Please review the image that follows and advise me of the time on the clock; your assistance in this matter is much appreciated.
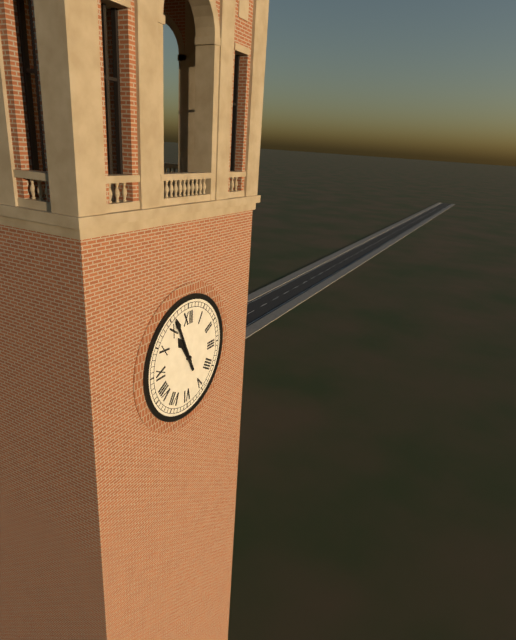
10:56
